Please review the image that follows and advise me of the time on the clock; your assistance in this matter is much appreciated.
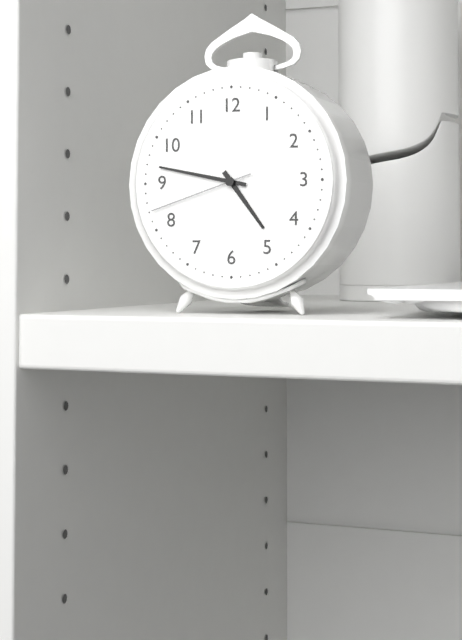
4:47:42
